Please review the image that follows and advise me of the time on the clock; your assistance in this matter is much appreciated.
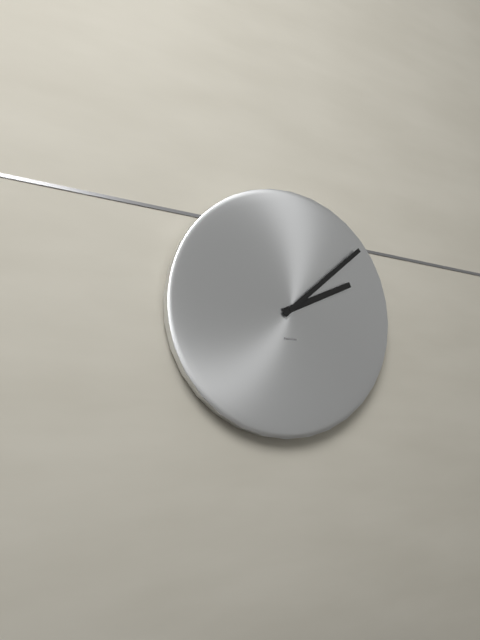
2:08
